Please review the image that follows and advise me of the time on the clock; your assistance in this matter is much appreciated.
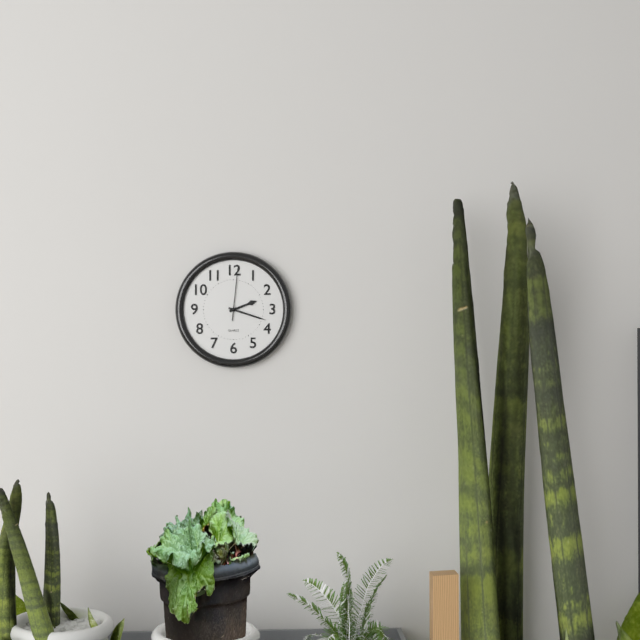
2:18:01
